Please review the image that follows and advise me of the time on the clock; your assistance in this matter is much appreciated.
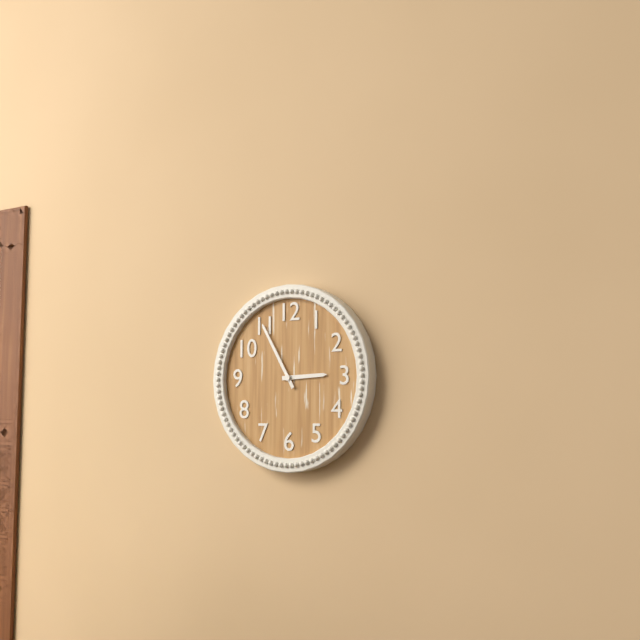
2:55
